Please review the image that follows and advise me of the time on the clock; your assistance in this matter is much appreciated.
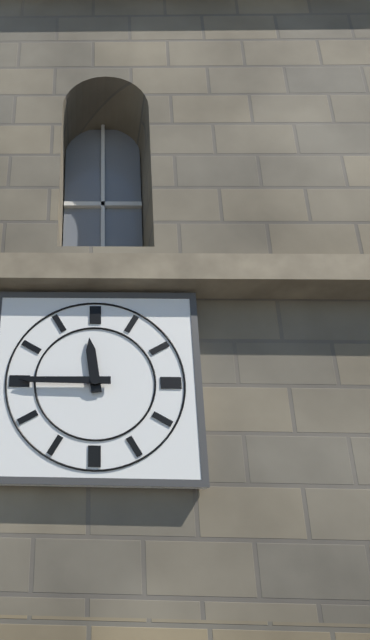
11:45
